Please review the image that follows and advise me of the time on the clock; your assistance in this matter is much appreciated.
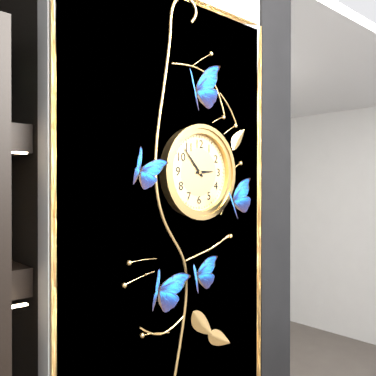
2:53
